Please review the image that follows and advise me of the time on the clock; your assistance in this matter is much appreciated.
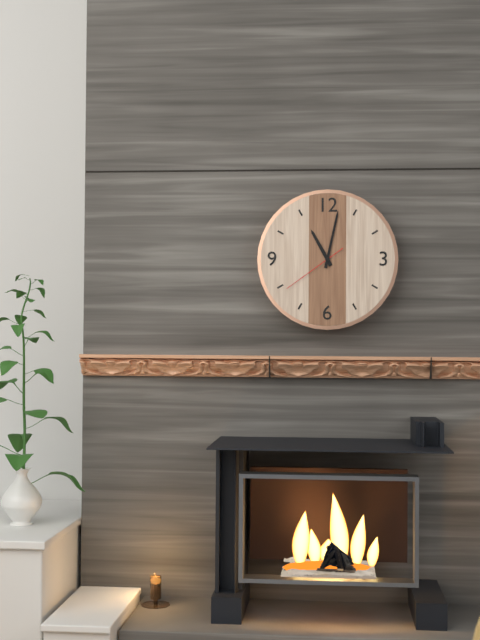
11:02:39
